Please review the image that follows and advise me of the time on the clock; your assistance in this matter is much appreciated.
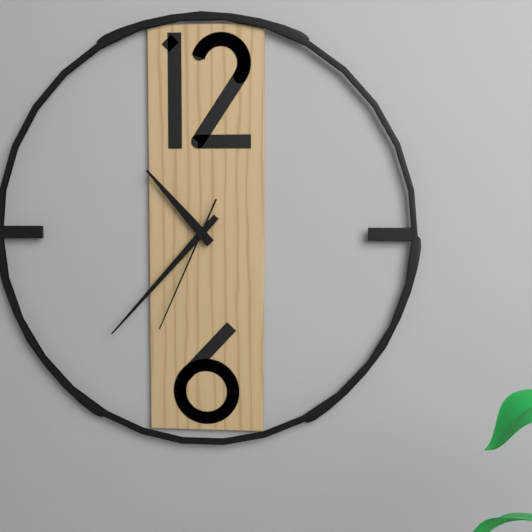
10:37:34
